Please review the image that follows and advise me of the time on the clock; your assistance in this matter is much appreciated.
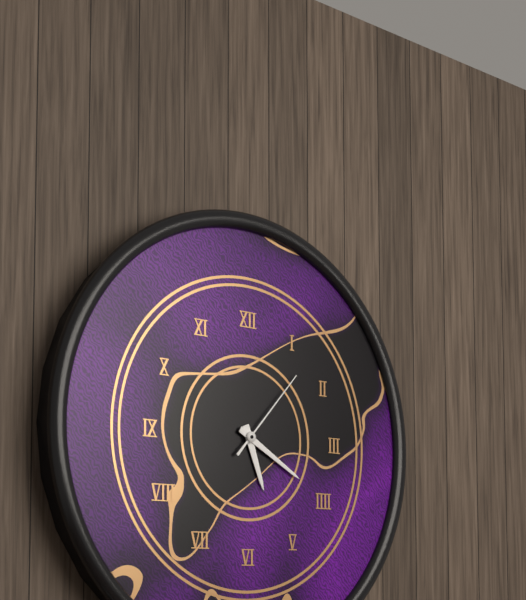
5:20:07
